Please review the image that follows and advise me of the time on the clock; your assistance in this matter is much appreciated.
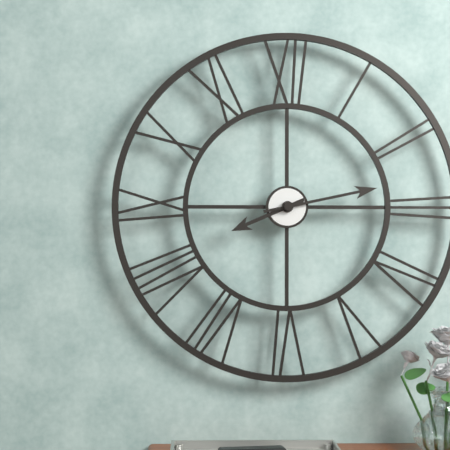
8:13
